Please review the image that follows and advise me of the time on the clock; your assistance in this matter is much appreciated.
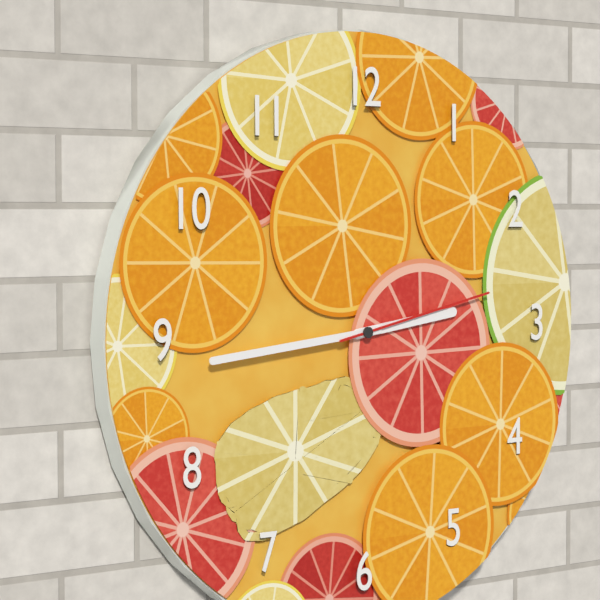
2:44:13
